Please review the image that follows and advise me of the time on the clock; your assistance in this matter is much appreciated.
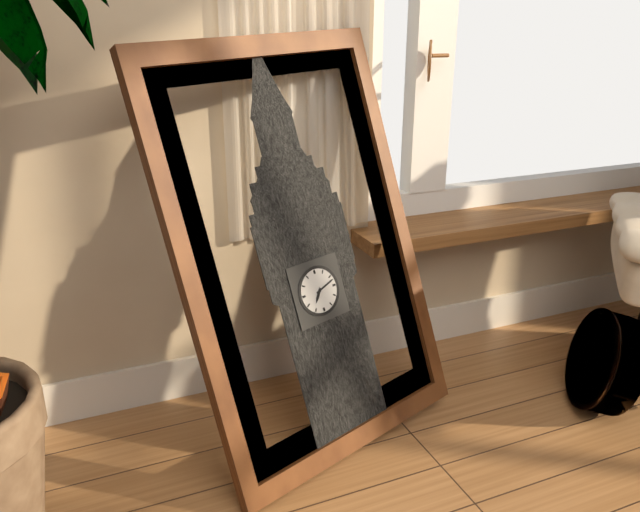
7:12
